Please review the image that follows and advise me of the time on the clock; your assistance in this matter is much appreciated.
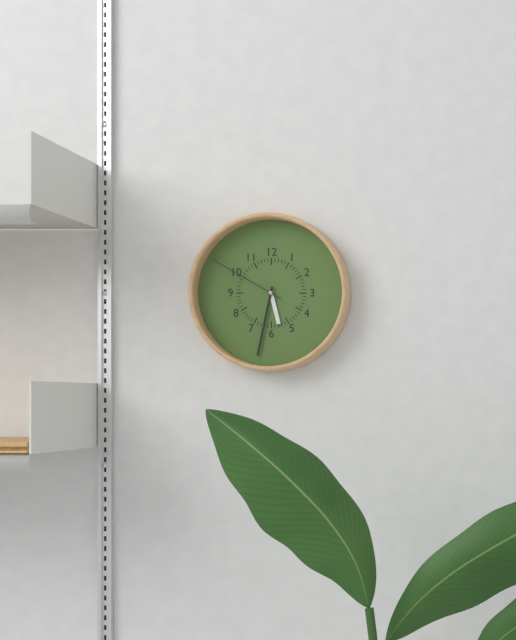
5:32:50
